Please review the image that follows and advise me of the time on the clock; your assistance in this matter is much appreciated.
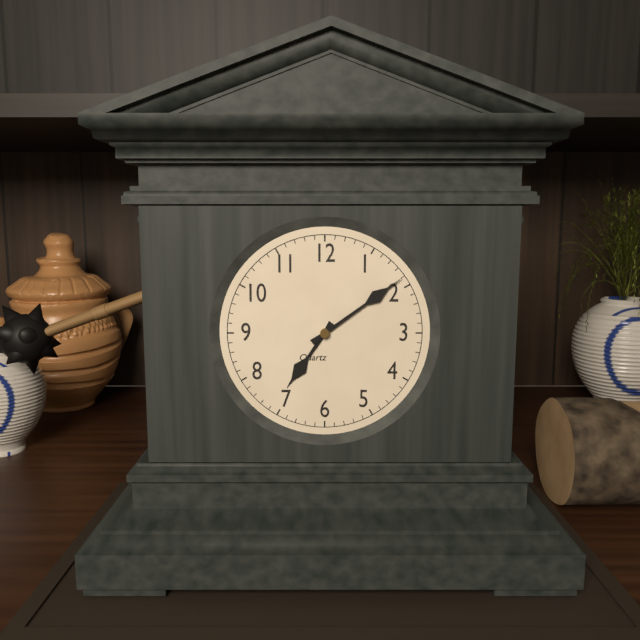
7:09
